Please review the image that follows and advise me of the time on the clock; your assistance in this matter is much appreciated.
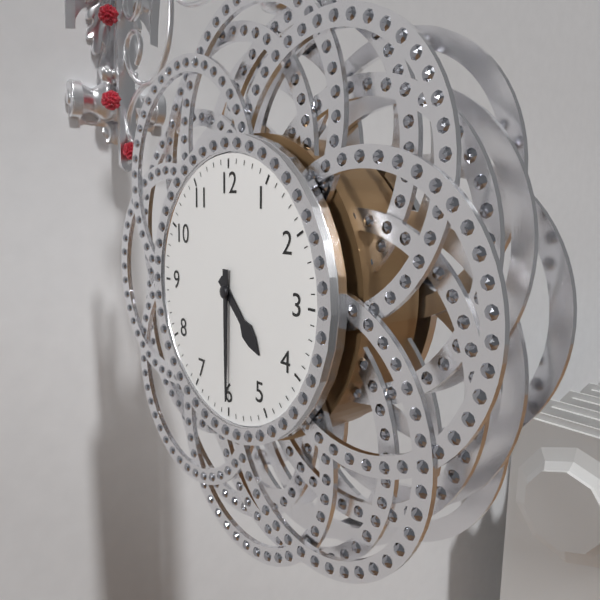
4:30
